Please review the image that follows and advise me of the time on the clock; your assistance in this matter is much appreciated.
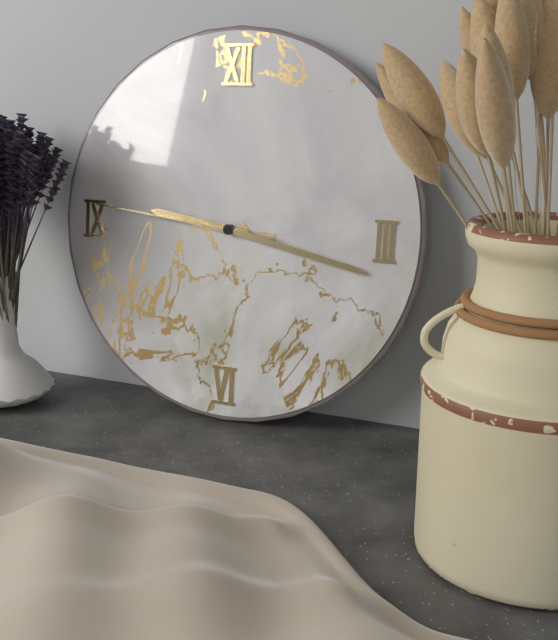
9:17:46
